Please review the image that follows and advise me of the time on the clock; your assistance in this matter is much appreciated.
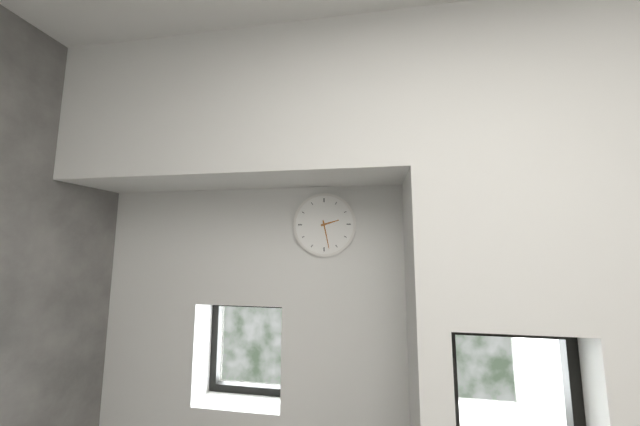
2:28
